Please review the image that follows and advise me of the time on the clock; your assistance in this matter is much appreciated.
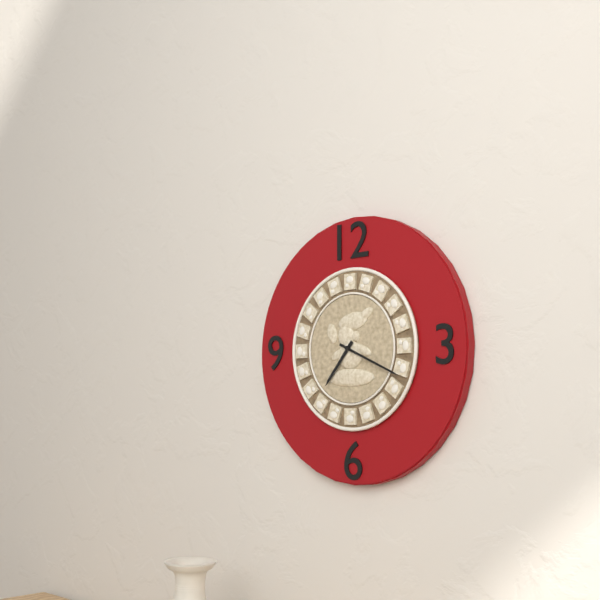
7:19
